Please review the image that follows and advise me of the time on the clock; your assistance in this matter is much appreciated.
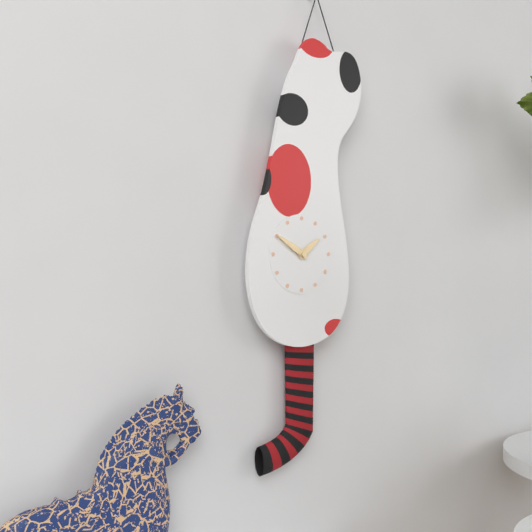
1:50
